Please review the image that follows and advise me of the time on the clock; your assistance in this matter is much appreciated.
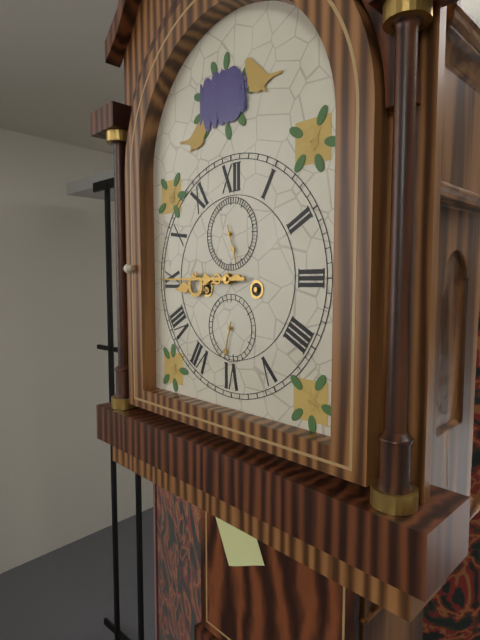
8:45
